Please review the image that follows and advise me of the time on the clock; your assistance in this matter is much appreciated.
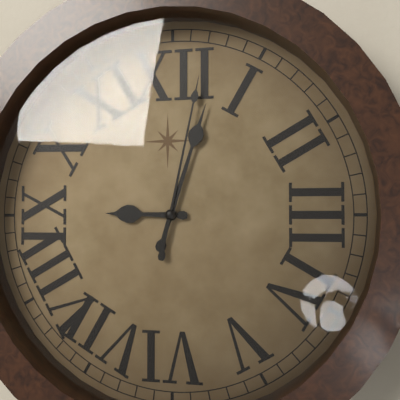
9:03:02
